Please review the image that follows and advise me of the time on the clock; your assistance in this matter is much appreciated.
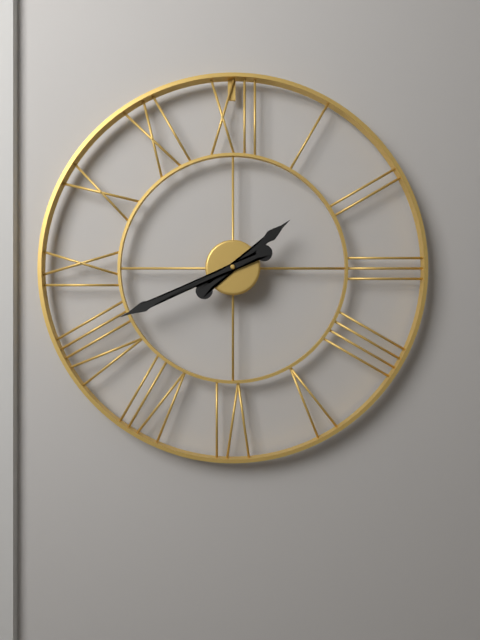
1:41
